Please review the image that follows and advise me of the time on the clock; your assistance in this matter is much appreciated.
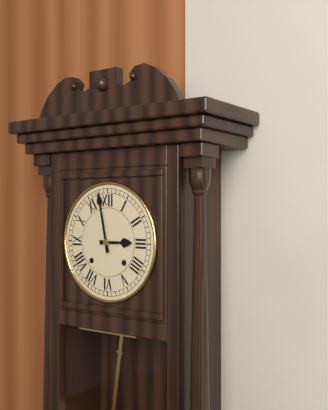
2:58
